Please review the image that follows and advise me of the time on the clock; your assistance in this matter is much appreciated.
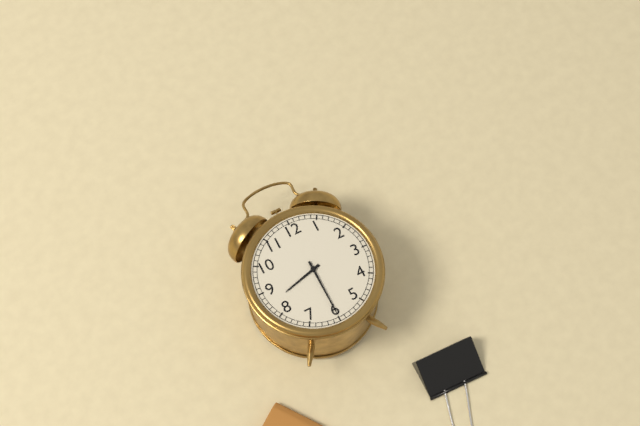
8:30
